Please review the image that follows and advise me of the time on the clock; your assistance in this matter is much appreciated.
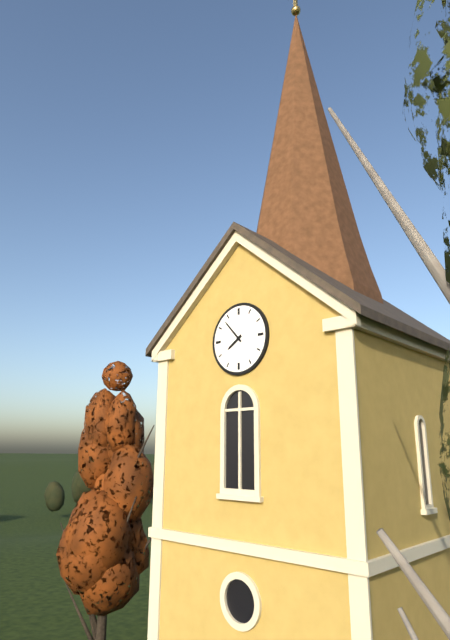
7:53
